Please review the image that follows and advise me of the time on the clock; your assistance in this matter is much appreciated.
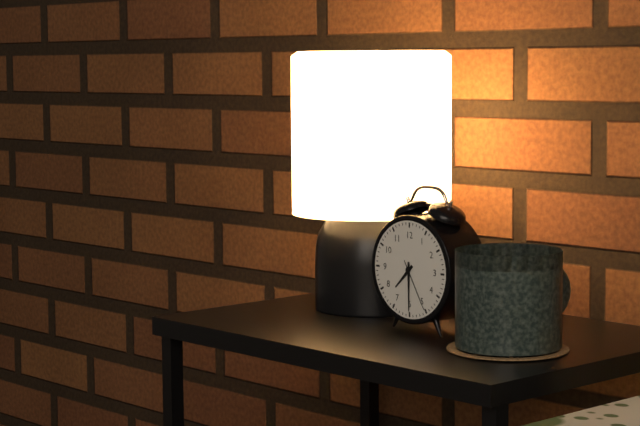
7:30:25
